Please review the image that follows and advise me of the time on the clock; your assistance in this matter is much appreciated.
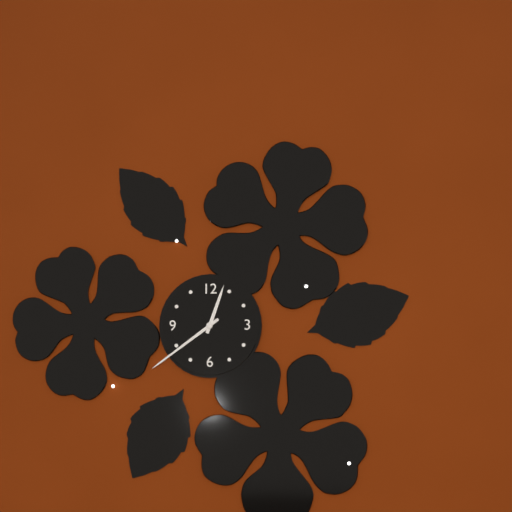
12:39
